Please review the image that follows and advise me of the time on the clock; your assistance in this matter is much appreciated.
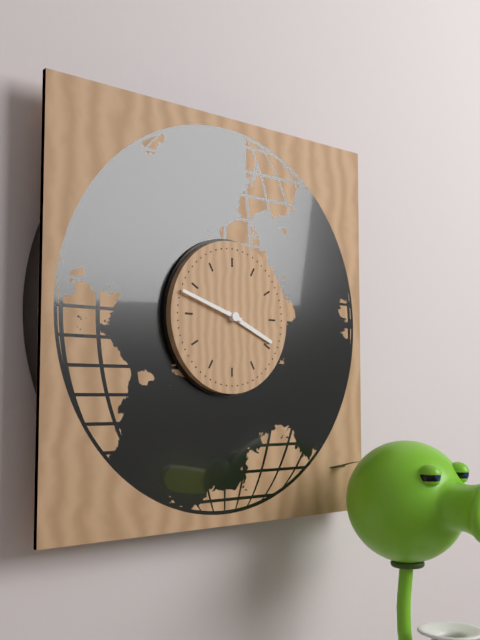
3:48
